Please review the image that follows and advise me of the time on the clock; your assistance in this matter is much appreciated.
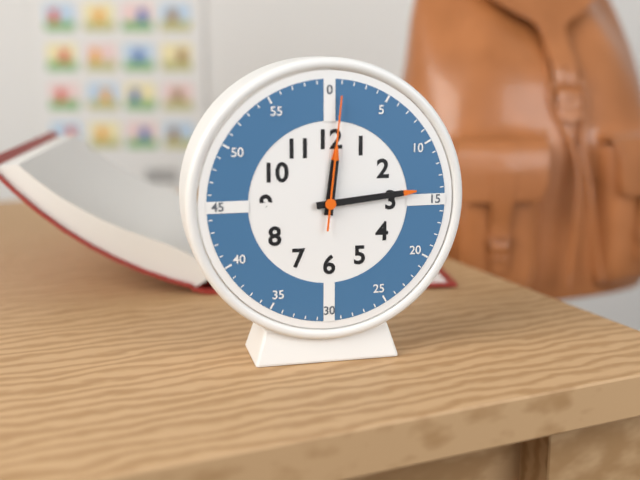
12:14:01
